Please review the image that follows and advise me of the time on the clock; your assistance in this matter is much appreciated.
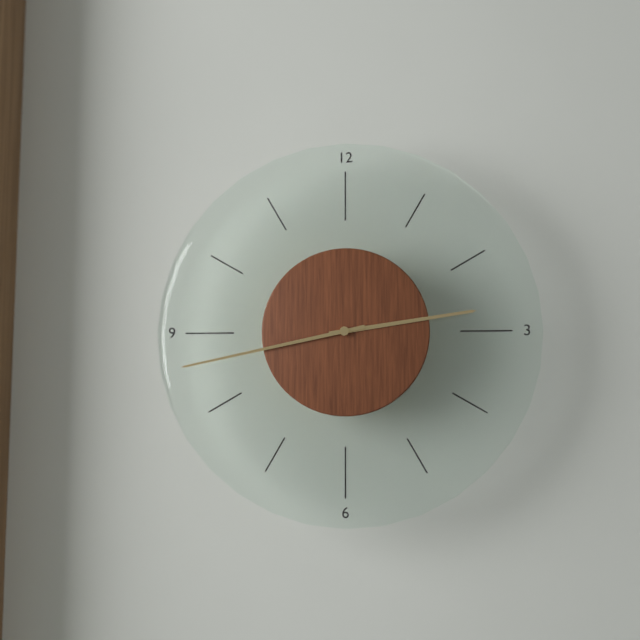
2:43
